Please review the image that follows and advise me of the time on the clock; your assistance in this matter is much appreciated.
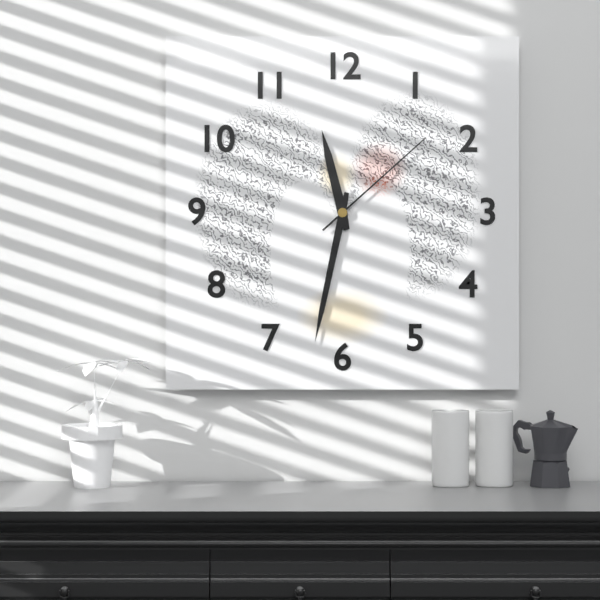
11:32:08
